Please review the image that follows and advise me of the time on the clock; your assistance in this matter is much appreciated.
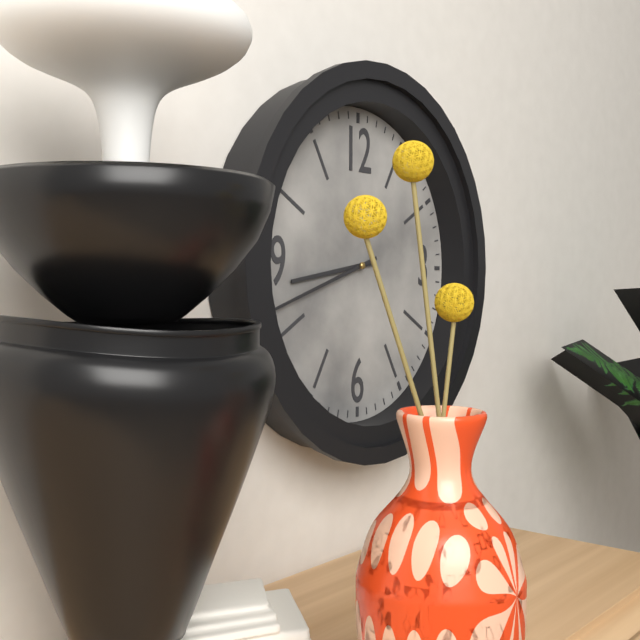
8:42
